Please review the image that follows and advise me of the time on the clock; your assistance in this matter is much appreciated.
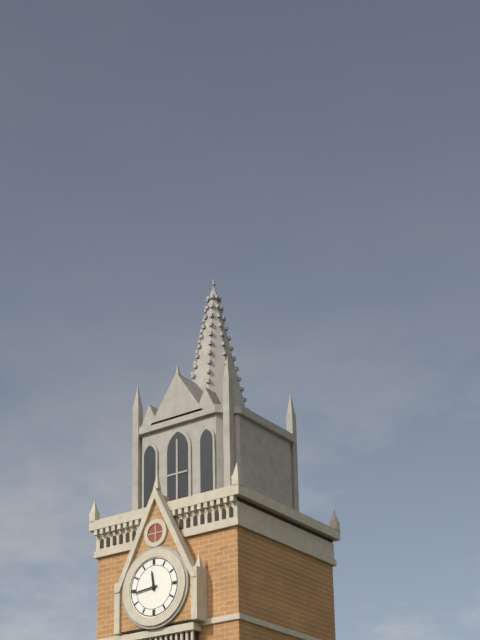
11:44
